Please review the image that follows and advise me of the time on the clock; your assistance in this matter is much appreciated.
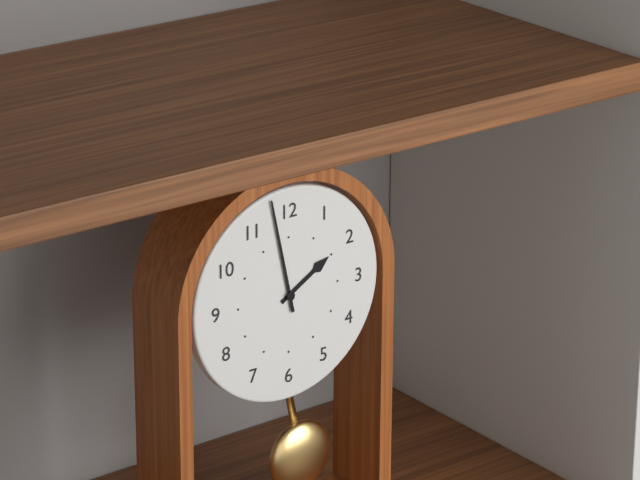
1:58
